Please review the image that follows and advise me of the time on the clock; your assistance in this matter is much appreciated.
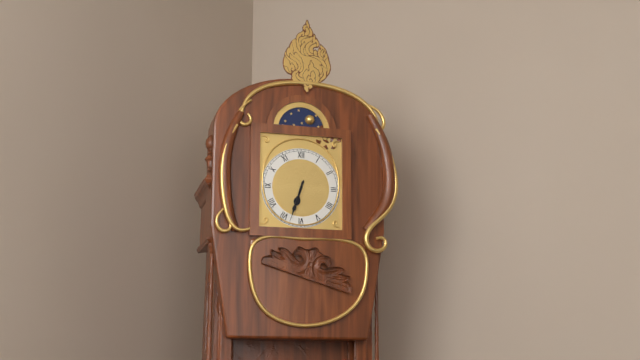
6:33
